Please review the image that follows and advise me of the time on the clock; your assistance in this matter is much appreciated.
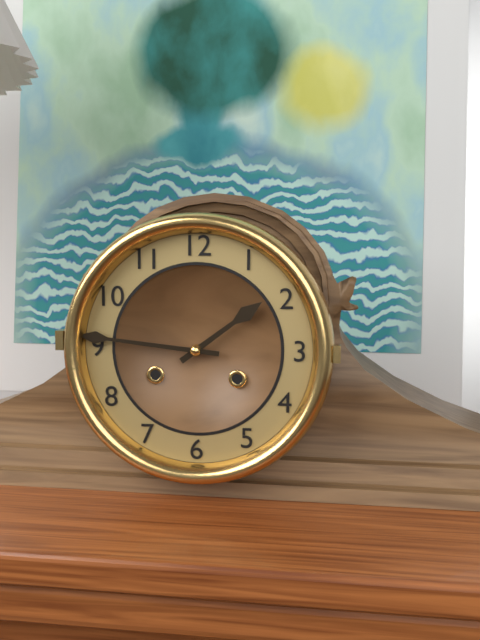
1:46
